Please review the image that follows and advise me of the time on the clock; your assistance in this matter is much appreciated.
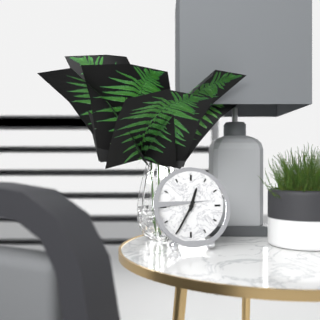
12:35
